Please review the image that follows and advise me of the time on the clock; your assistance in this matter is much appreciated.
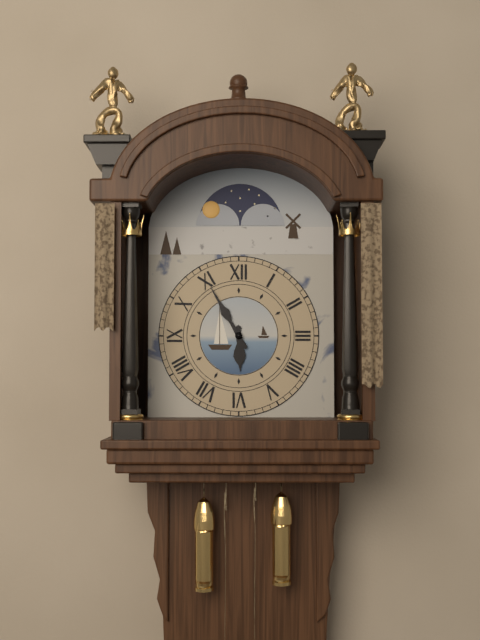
5:55
